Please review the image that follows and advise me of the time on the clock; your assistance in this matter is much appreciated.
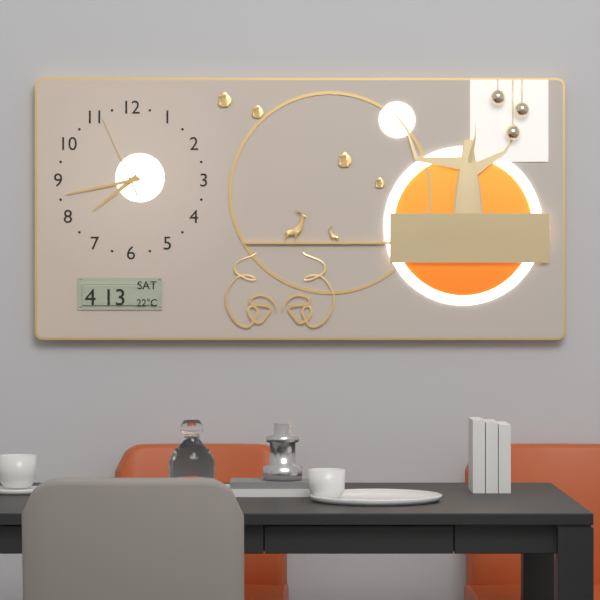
7:43:56
